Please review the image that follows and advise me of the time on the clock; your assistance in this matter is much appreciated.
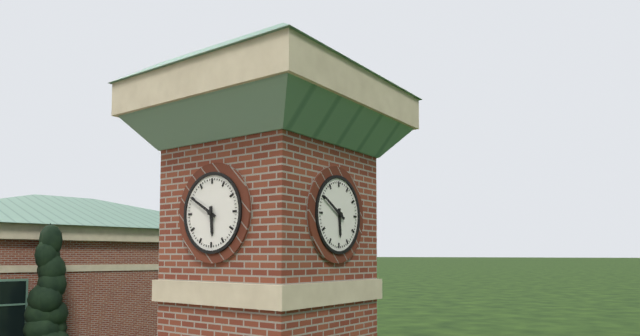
5:50
